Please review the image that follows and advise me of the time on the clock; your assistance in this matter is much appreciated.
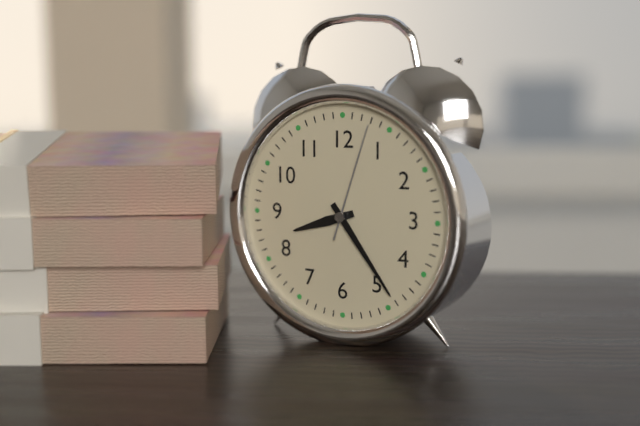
8:24:03
